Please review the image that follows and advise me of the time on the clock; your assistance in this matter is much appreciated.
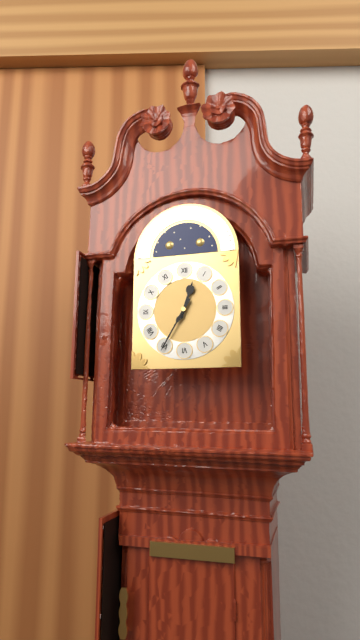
12:35
